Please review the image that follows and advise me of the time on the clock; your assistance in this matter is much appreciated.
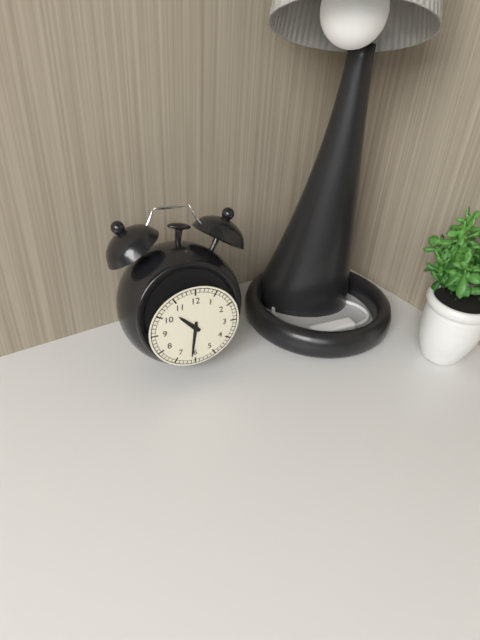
10:31
